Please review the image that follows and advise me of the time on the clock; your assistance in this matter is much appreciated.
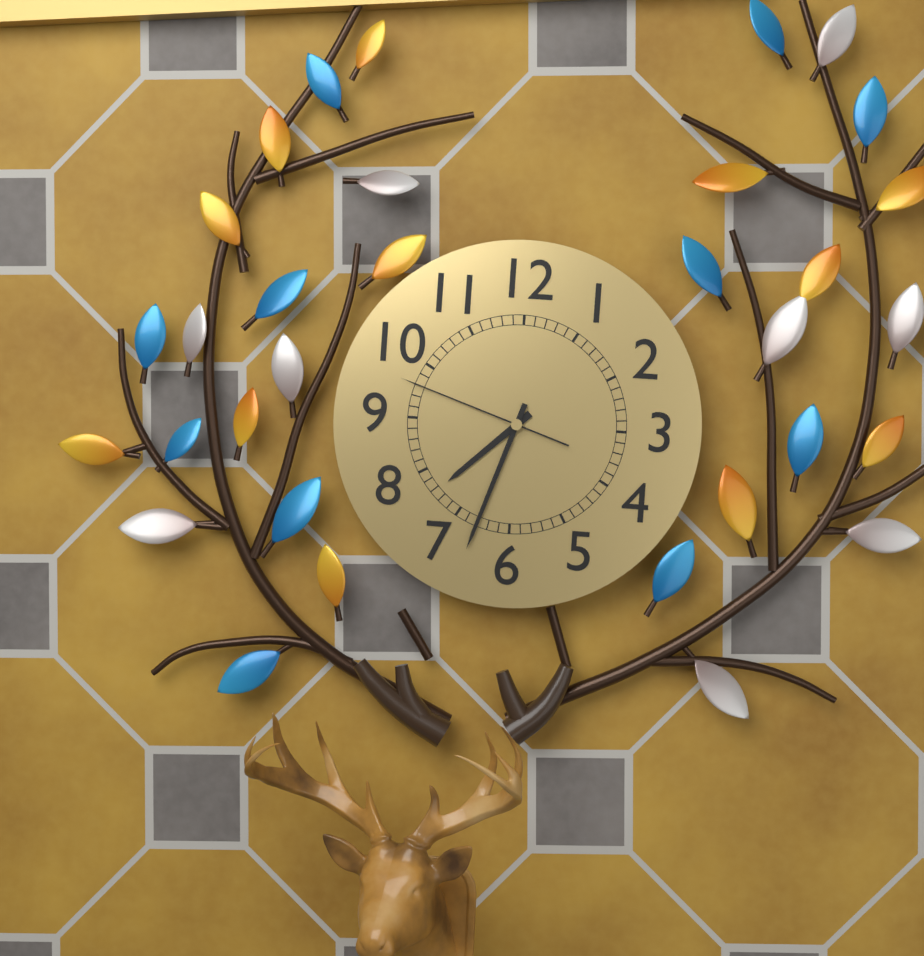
7:33:48
